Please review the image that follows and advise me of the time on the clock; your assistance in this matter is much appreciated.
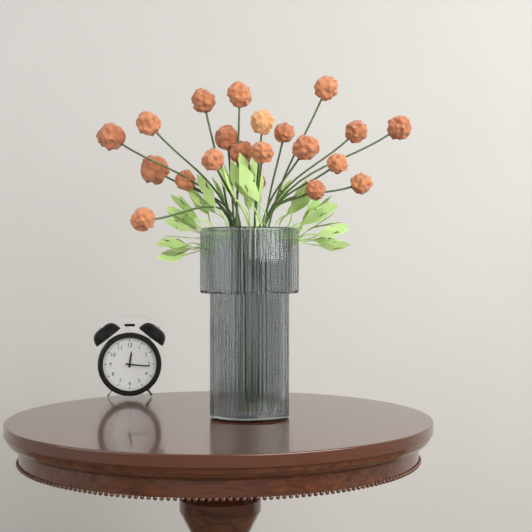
12:16
